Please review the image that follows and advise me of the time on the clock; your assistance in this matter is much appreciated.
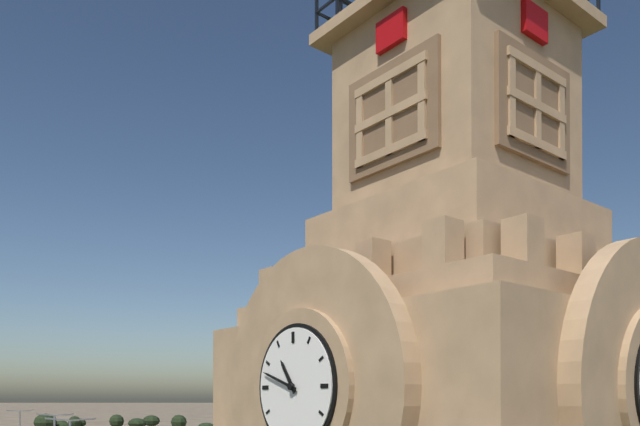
10:48
